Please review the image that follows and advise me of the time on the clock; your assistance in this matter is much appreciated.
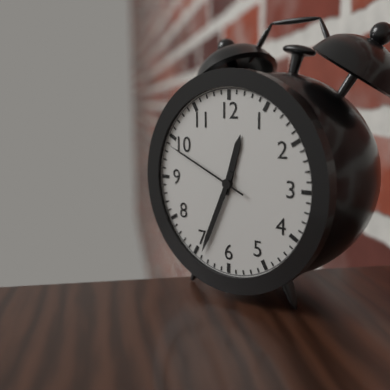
12:34:49
